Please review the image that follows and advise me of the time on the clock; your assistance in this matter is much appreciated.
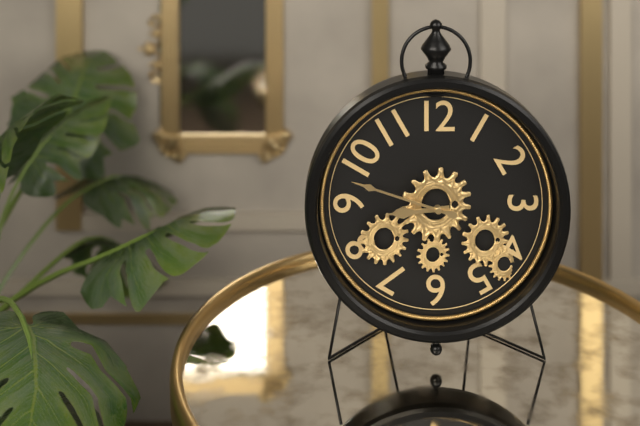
8:48
